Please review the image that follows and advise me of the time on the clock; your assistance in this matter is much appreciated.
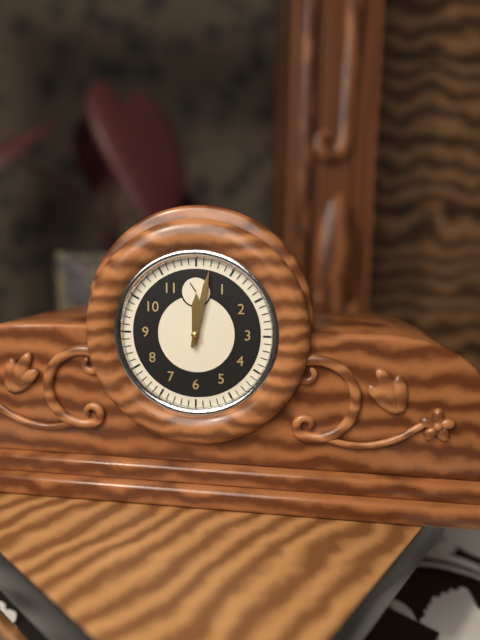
12:02
